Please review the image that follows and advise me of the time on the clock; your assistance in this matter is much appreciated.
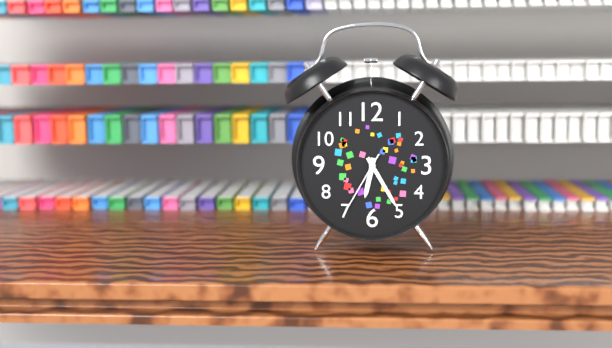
6:25:35
